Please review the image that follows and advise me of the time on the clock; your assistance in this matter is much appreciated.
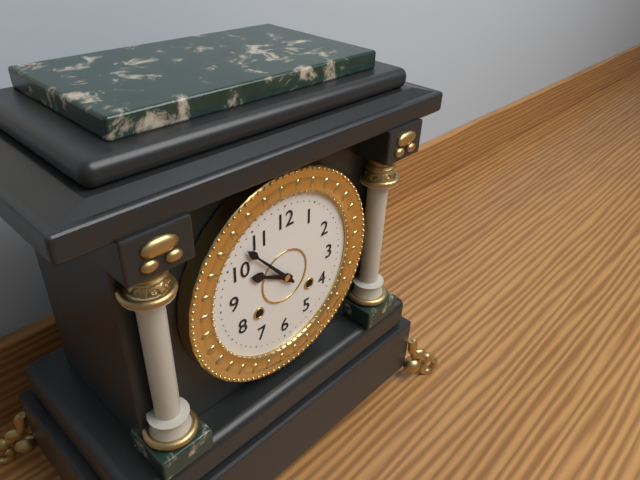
9:53
